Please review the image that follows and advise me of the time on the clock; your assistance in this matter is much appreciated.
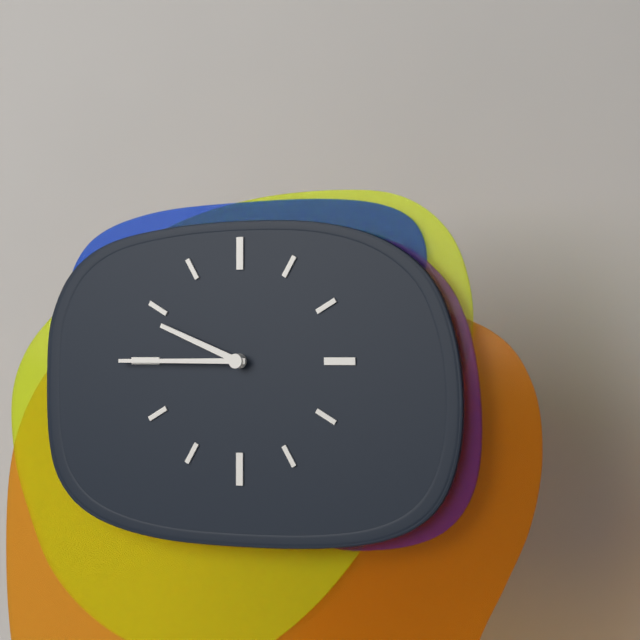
9:45
